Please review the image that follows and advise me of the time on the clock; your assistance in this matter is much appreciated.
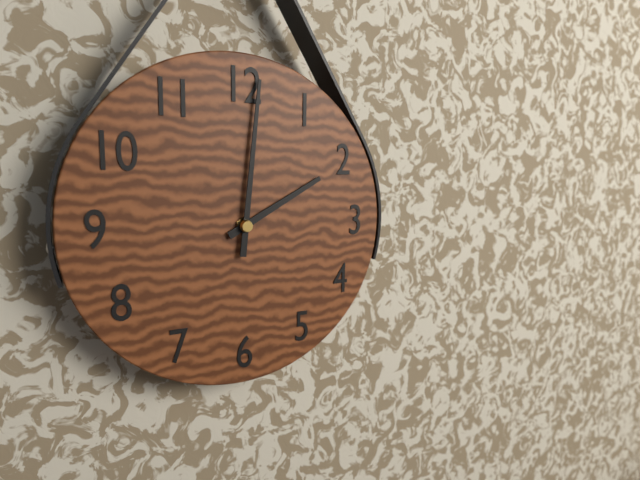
2:01
